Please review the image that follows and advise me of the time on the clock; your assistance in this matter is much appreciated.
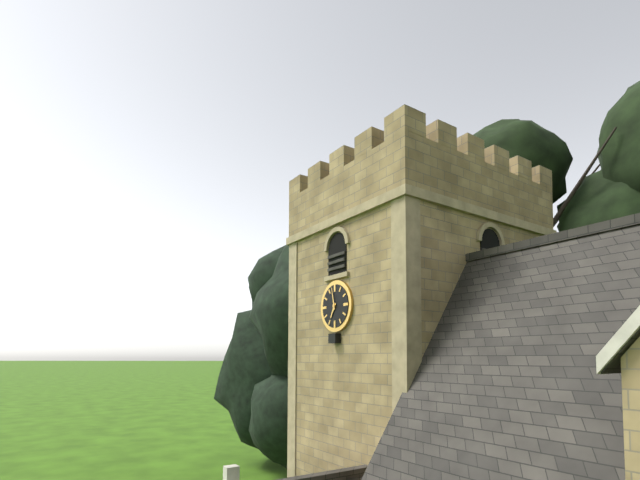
6:58
